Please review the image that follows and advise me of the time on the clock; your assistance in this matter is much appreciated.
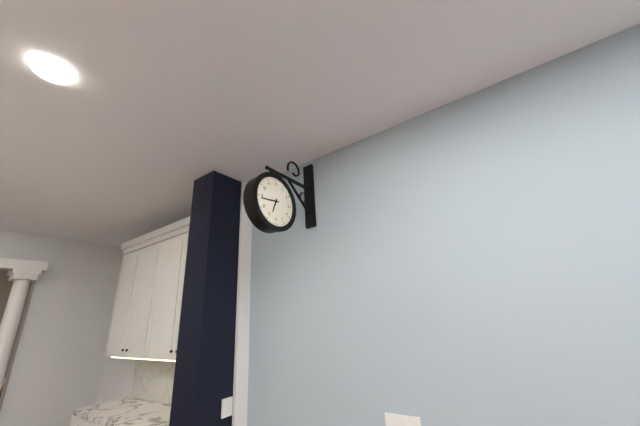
6:44
